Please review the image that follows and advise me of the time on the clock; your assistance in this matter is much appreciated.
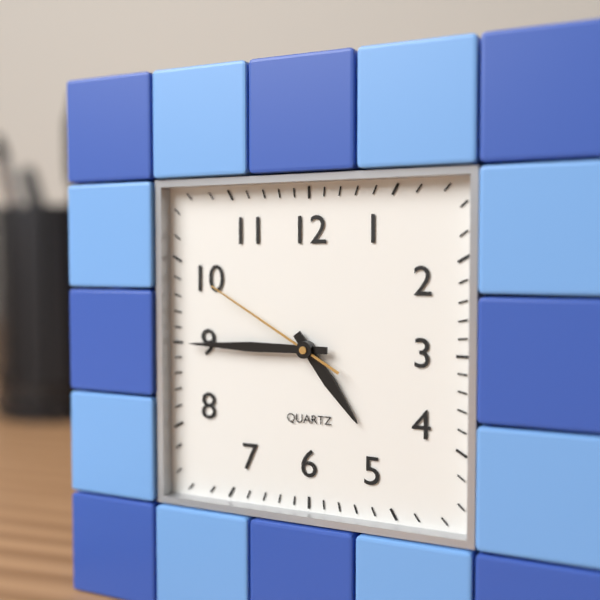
4:45:50
